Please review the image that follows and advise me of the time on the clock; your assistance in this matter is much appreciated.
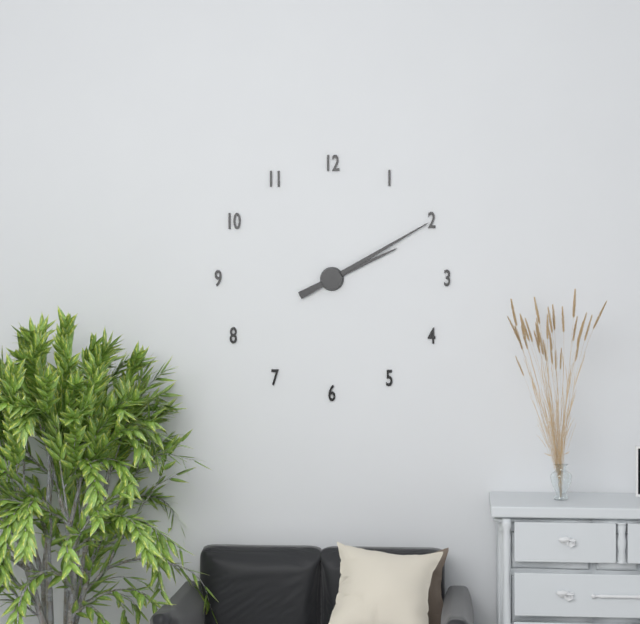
2:10
